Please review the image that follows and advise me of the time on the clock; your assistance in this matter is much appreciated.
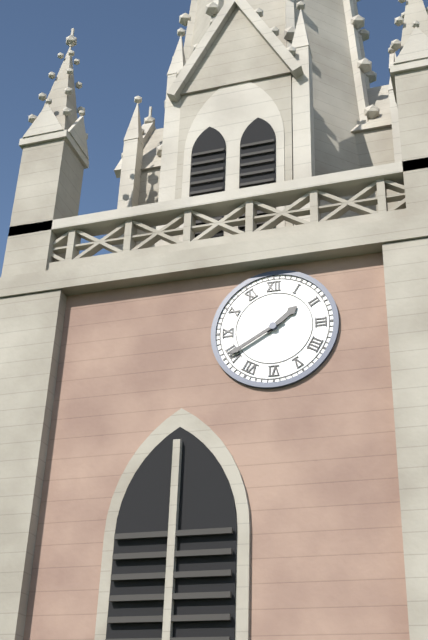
1:40
